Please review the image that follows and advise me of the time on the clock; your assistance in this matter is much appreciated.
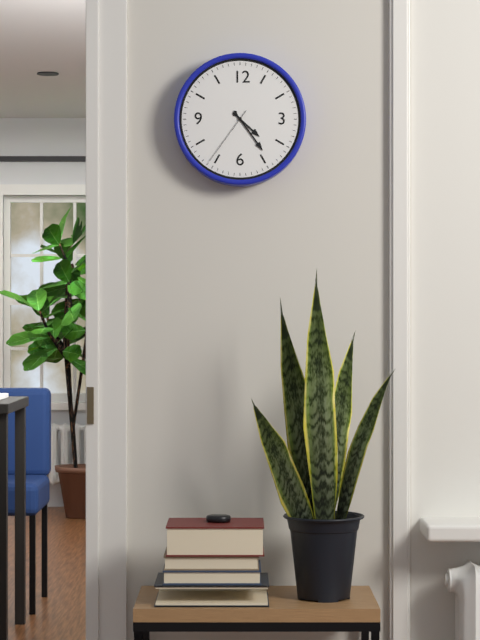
4:24:36
